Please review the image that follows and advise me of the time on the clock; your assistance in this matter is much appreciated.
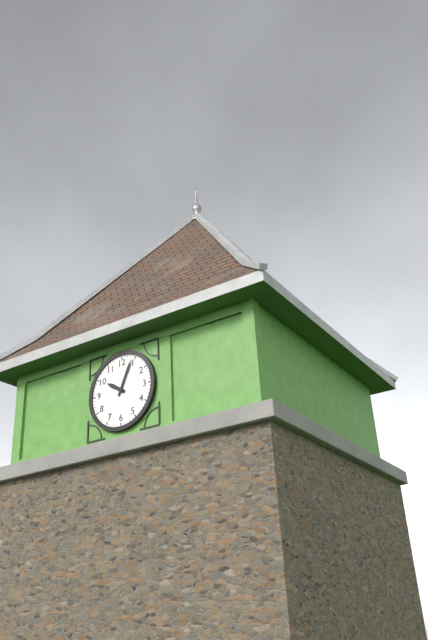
10:04
